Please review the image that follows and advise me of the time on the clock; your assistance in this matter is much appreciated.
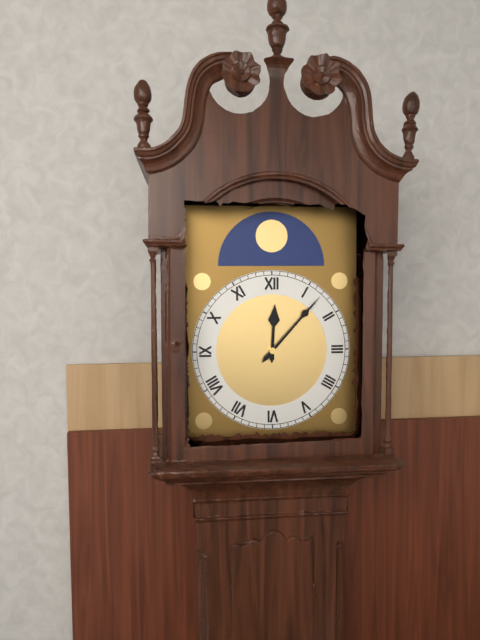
12:07
